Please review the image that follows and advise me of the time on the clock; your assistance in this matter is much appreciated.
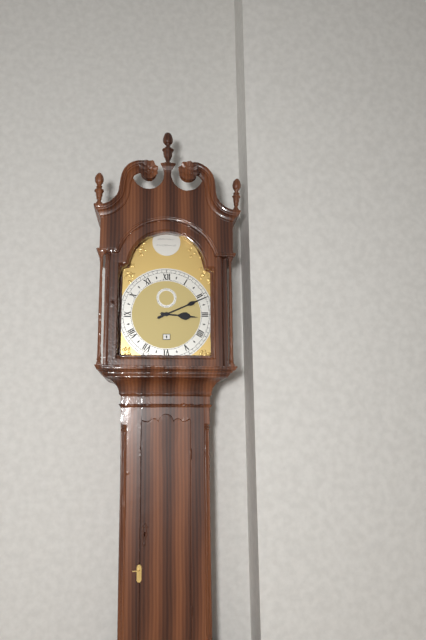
3:11
